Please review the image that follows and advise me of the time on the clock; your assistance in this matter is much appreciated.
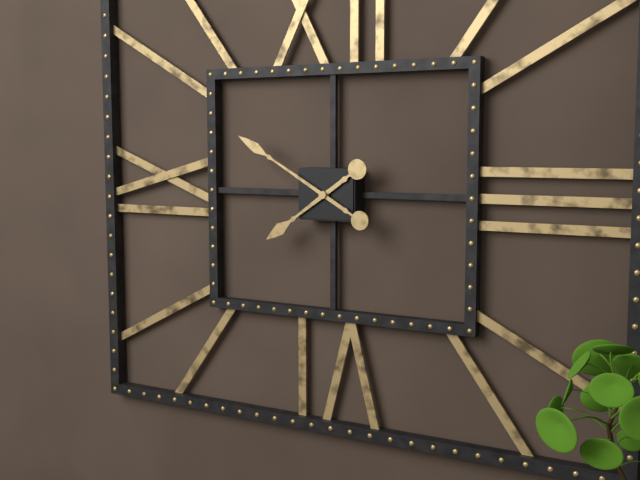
7:50
